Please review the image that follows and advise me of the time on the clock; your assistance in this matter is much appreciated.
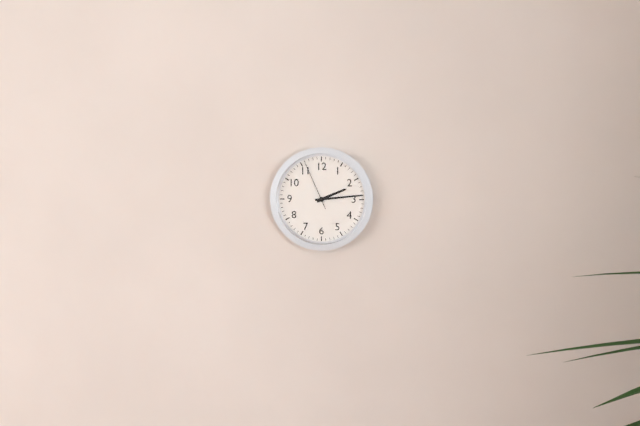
2:14:56
